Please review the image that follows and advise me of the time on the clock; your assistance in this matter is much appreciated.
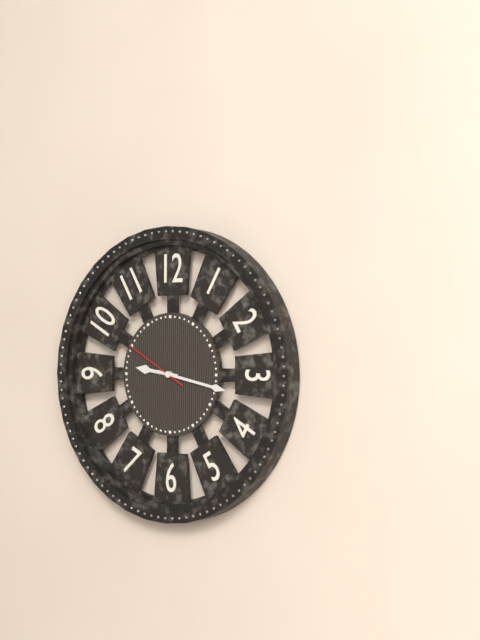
9:17:50
